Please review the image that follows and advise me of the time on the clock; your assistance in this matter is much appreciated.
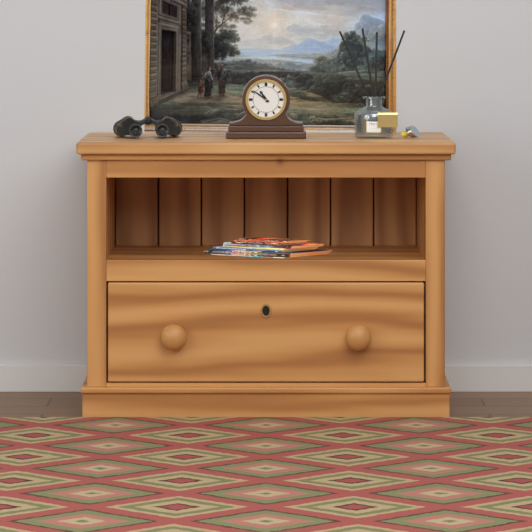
10:51
